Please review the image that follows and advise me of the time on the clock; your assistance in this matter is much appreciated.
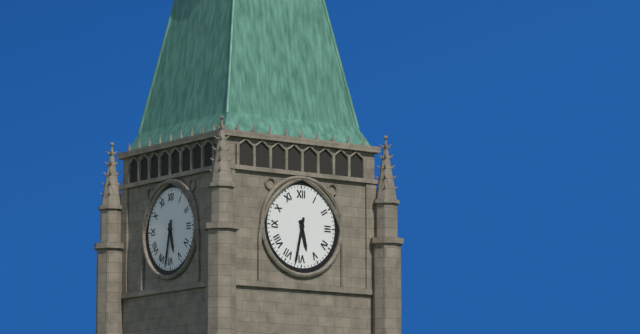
5:32
